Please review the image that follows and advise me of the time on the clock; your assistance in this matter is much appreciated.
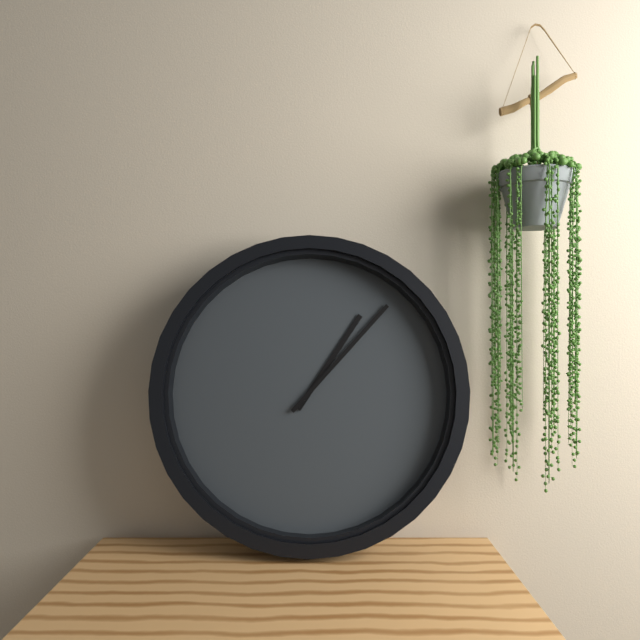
1:07
